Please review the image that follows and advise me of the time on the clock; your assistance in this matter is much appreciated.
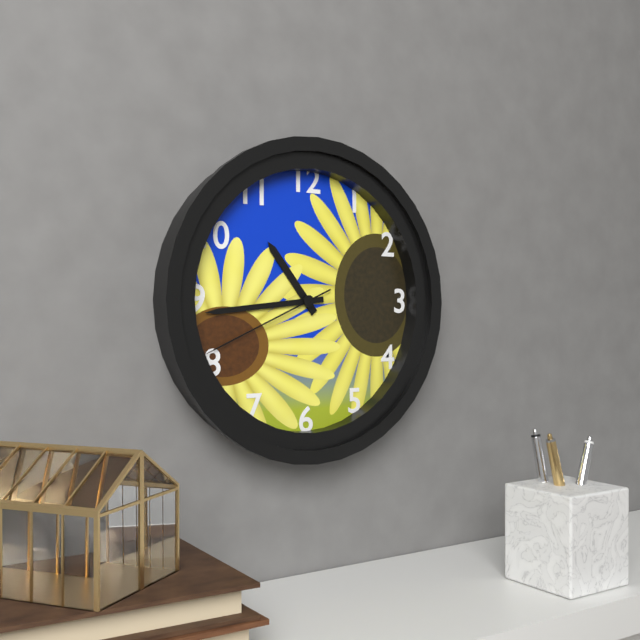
10:44:41
